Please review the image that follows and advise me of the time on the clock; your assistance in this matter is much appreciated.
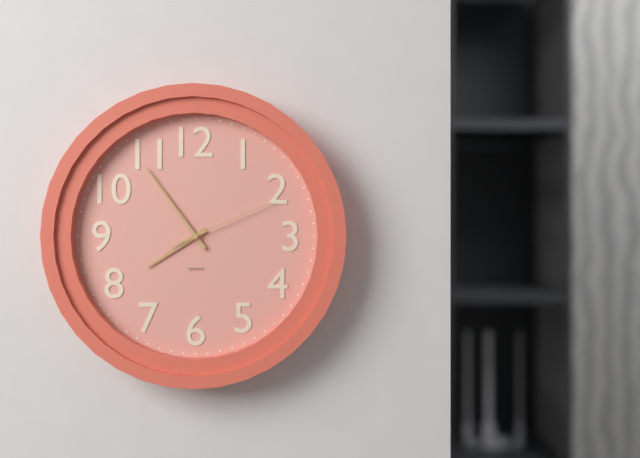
7:54:11
